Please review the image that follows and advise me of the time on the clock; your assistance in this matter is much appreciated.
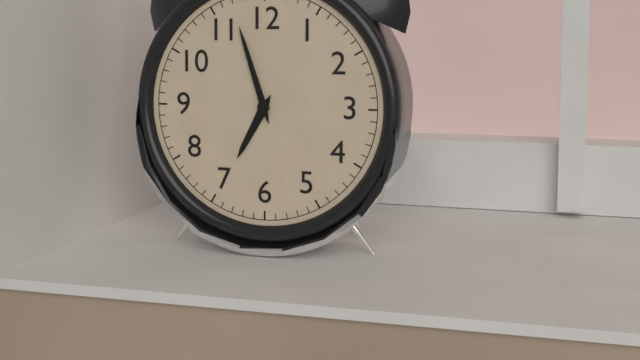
6:57
